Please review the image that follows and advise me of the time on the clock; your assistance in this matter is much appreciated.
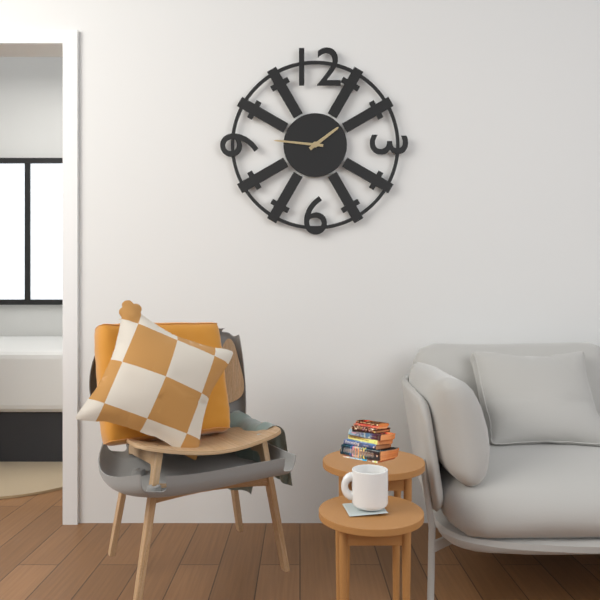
1:46
